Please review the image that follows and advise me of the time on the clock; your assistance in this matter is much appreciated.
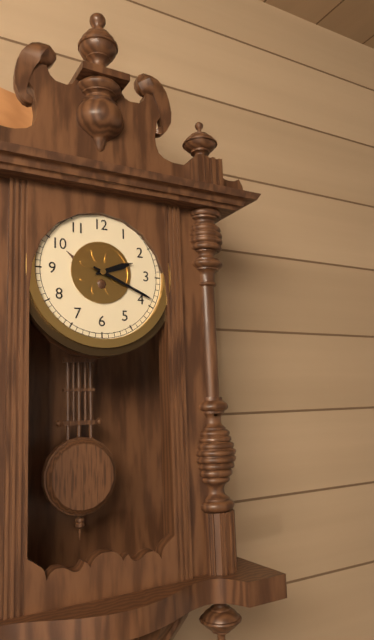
2:19
